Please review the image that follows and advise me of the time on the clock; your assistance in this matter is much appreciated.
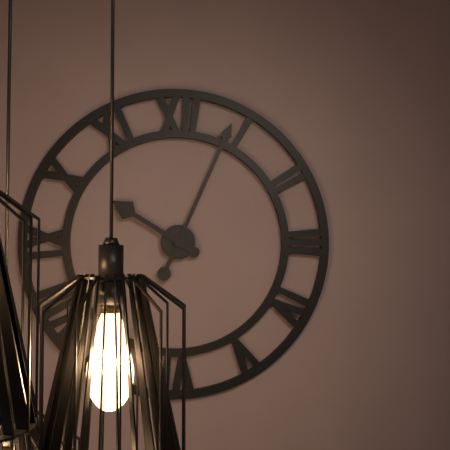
10:04
